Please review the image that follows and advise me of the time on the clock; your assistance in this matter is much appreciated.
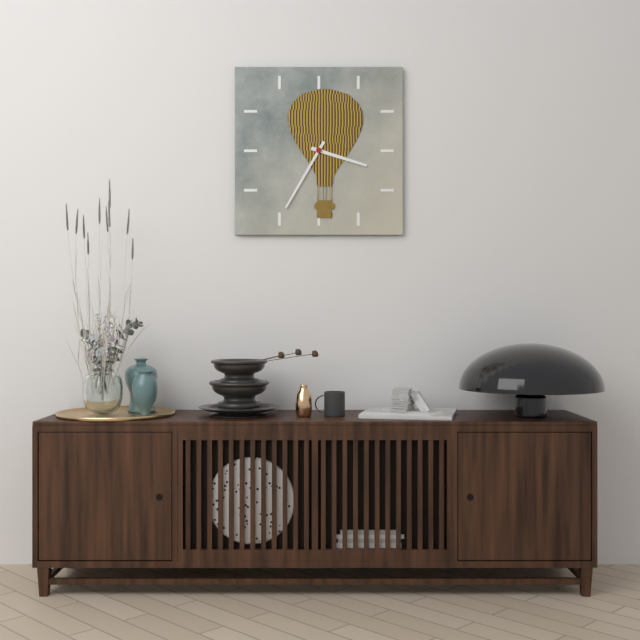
3:35
